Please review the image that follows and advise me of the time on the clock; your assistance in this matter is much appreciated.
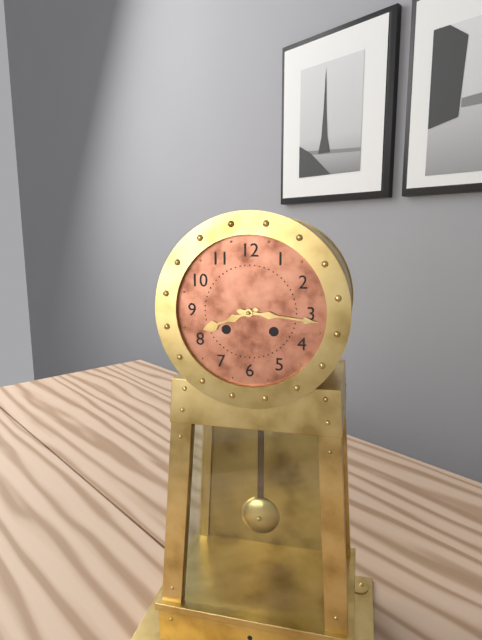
8:16
